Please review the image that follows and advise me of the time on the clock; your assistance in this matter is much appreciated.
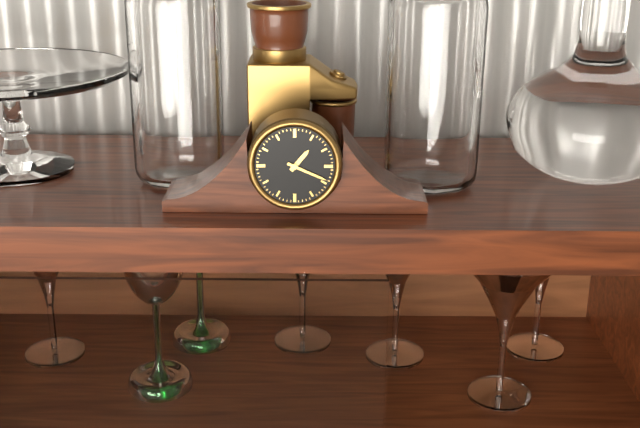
1:19
